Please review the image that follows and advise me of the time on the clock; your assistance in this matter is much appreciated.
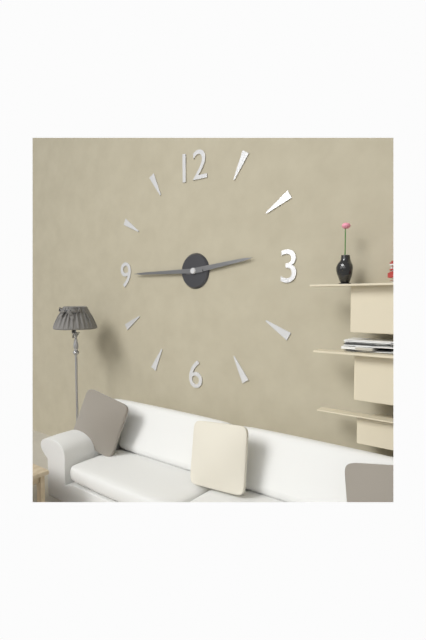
2:45
